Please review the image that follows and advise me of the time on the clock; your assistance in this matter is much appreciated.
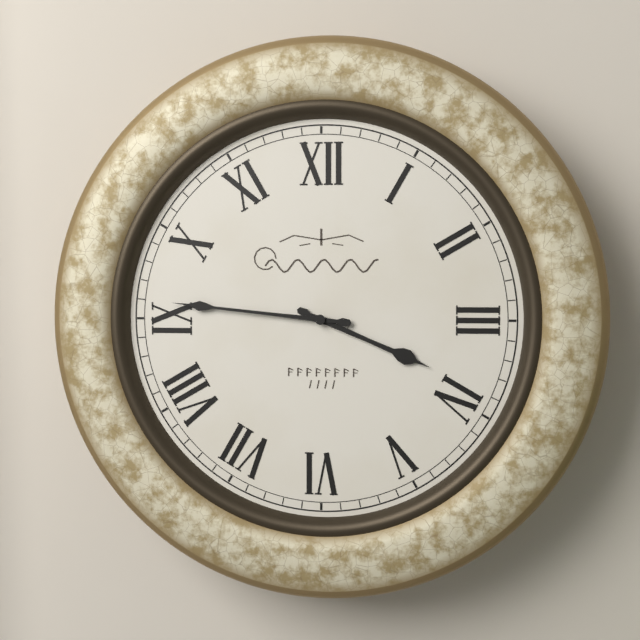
3:46
